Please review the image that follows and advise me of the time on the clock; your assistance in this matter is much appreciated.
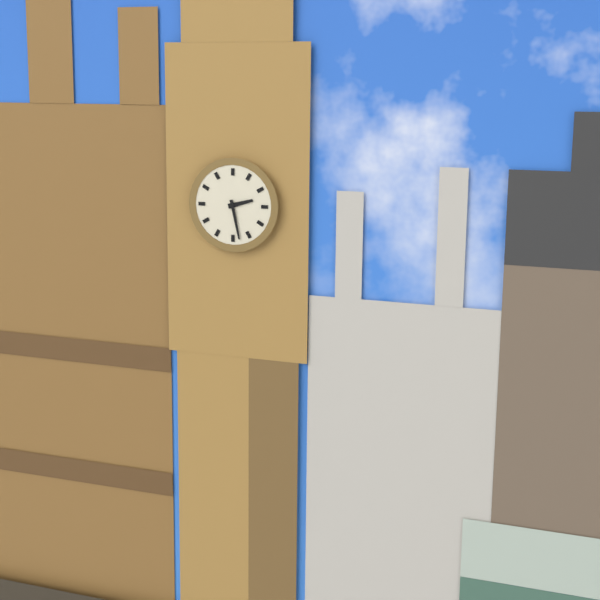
2:28
